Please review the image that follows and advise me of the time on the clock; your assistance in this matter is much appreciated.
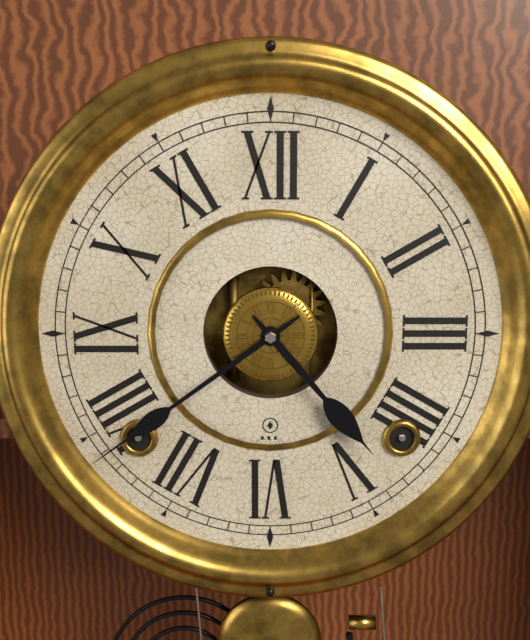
4:39
